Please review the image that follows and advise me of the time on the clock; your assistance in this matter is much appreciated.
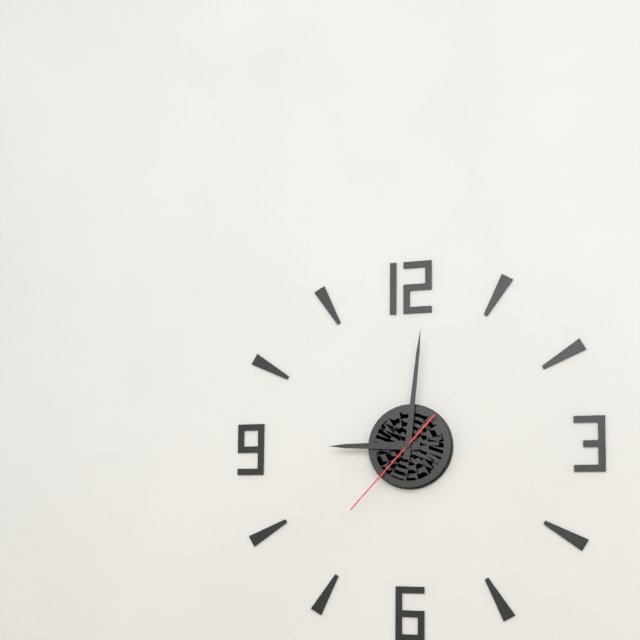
9:01:37
